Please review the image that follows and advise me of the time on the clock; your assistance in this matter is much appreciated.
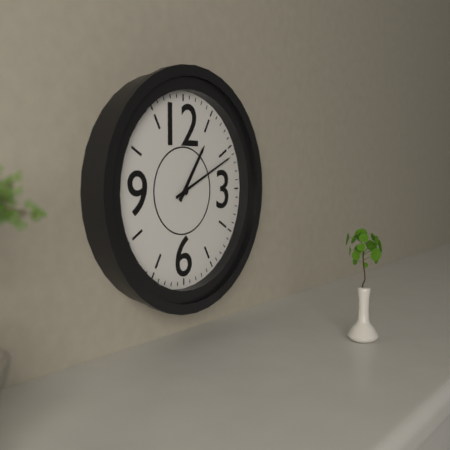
1:11
